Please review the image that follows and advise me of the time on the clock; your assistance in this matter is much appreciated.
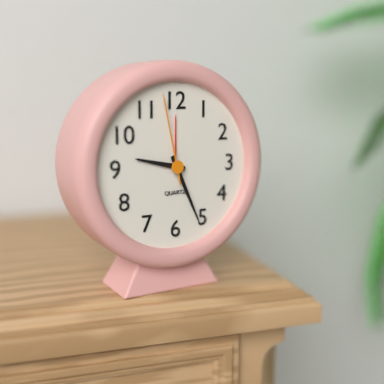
9:26:58
